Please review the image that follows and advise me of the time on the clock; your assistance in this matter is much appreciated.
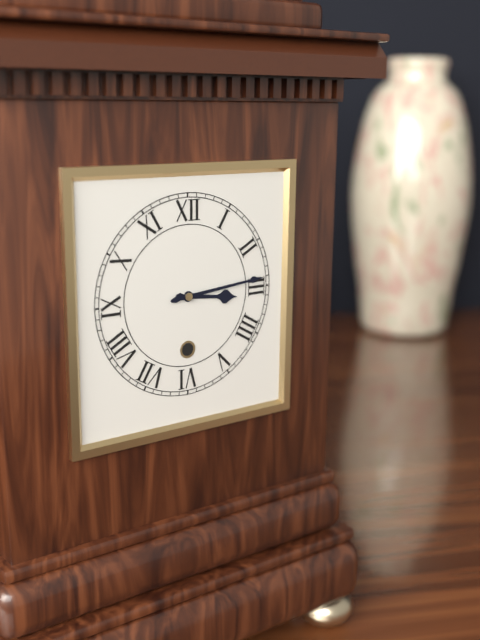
3:14
